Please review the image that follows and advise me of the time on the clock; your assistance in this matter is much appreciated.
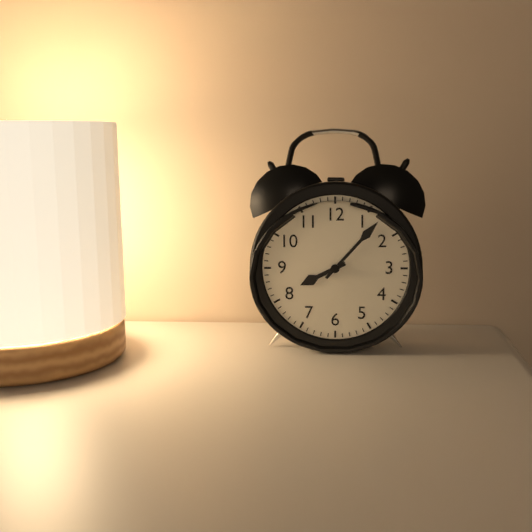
8:07
